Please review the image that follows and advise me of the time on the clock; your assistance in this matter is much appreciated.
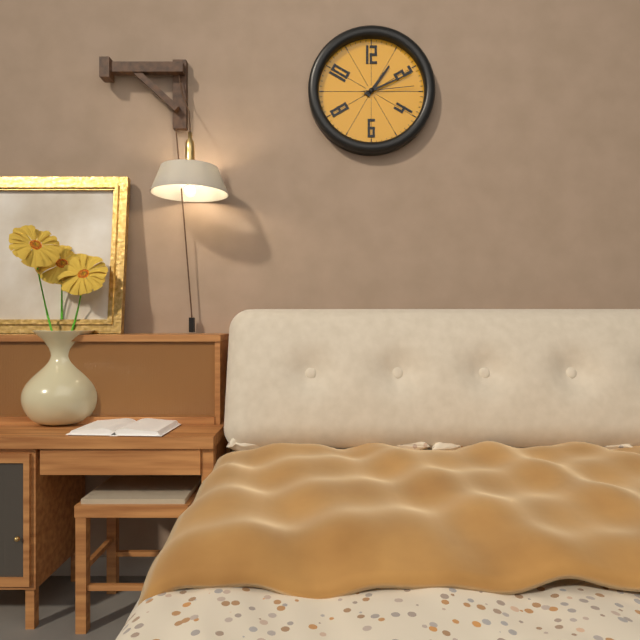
1:11:14
